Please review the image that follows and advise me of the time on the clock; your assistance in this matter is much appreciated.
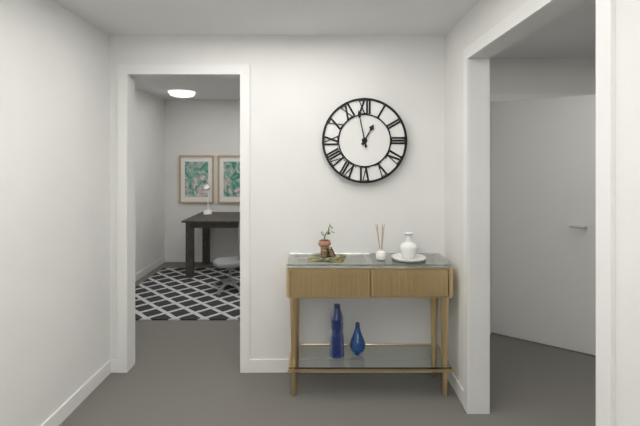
12:58
